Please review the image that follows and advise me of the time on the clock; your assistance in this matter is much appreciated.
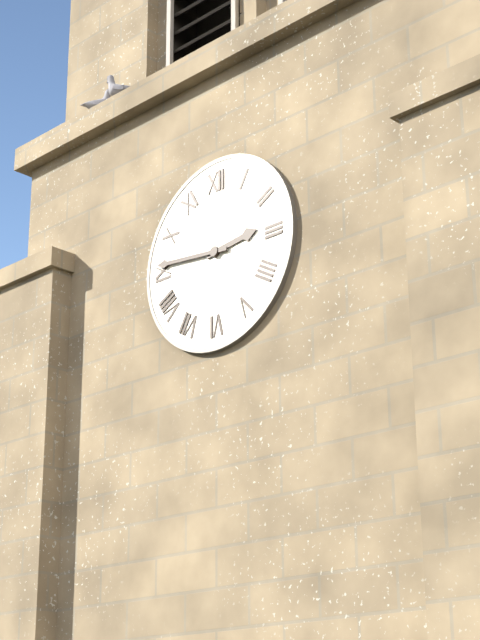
2:46
